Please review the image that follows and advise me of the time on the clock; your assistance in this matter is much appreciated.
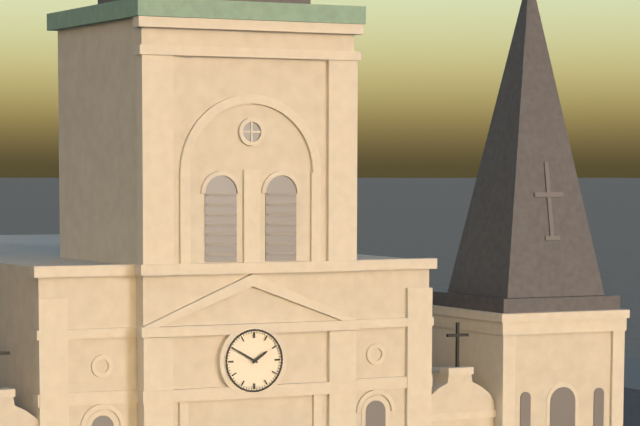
1:50
